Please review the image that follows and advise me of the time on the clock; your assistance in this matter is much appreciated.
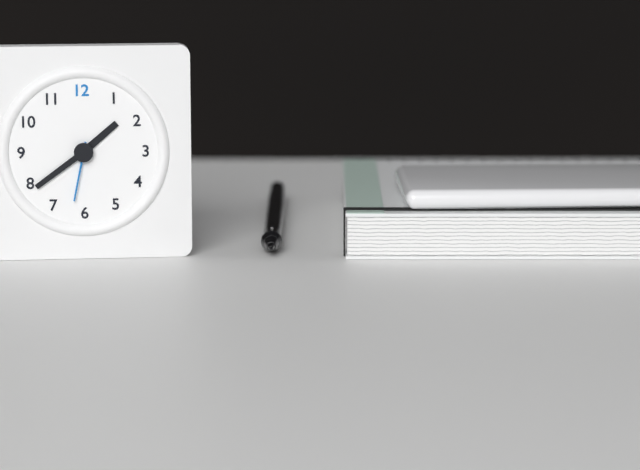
1:39:32
